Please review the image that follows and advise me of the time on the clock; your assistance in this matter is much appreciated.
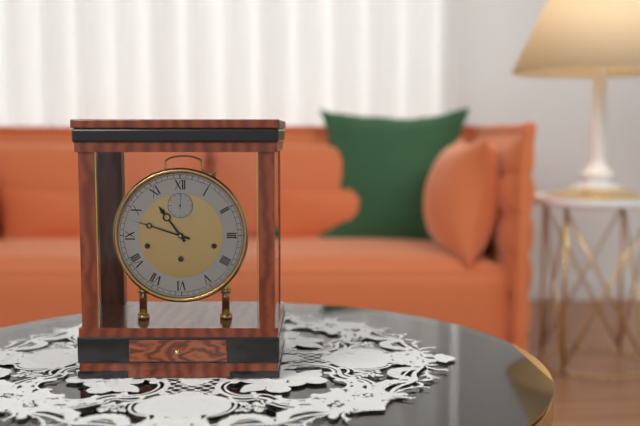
10:48
